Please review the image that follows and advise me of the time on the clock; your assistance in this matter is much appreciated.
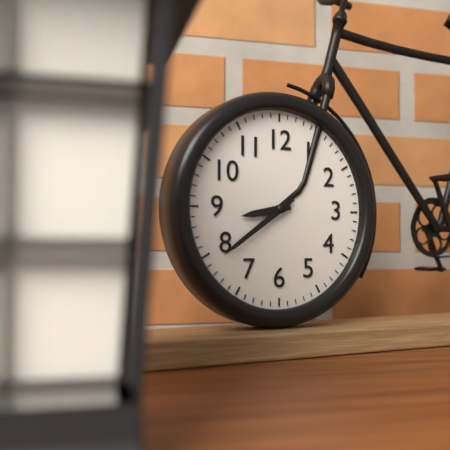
8:39
